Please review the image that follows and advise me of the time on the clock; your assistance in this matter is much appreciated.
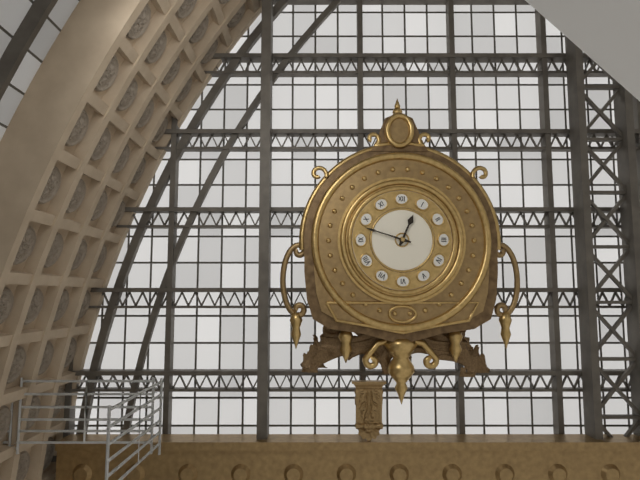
12:48
